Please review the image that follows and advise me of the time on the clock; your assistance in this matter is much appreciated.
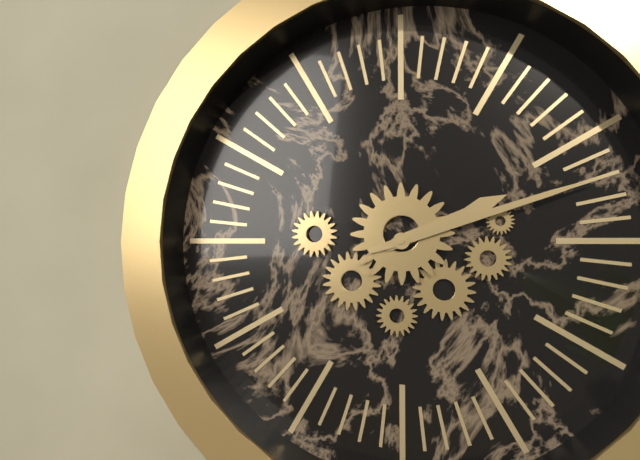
2:12
